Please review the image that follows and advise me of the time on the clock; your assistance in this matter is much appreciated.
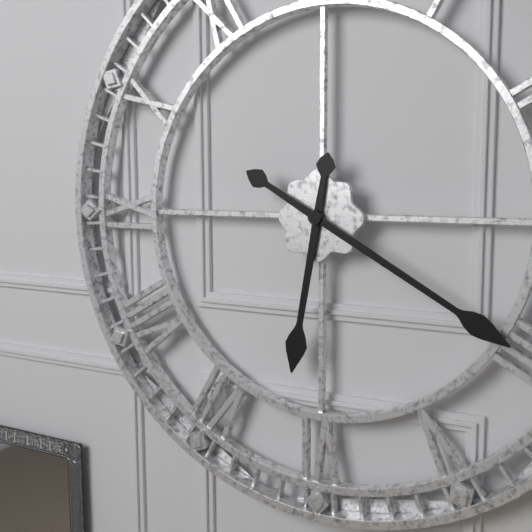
6:20
